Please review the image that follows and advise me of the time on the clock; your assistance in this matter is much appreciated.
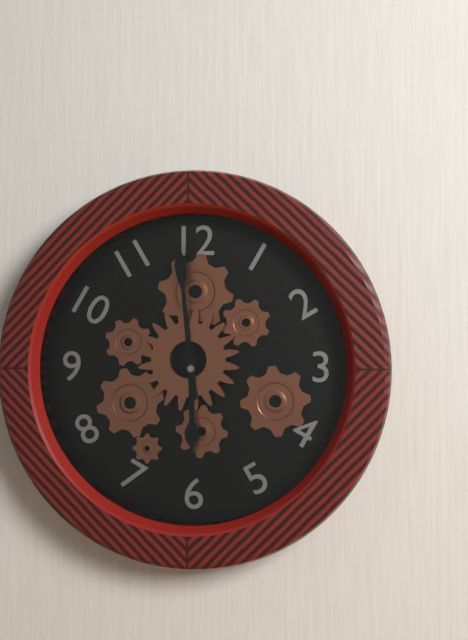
5:59
